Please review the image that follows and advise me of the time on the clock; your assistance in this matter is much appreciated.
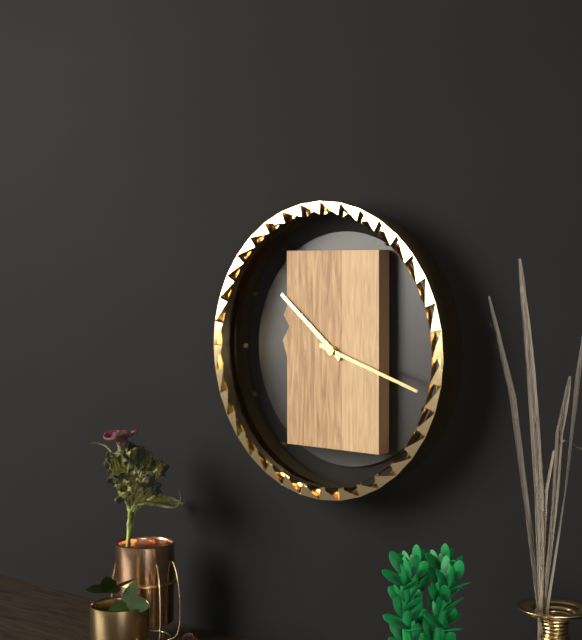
10:18
